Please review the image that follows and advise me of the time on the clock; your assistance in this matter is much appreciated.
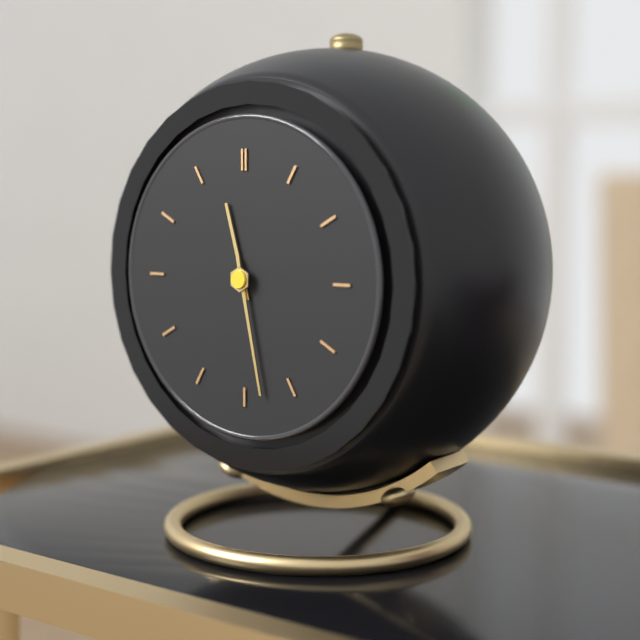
11:28
